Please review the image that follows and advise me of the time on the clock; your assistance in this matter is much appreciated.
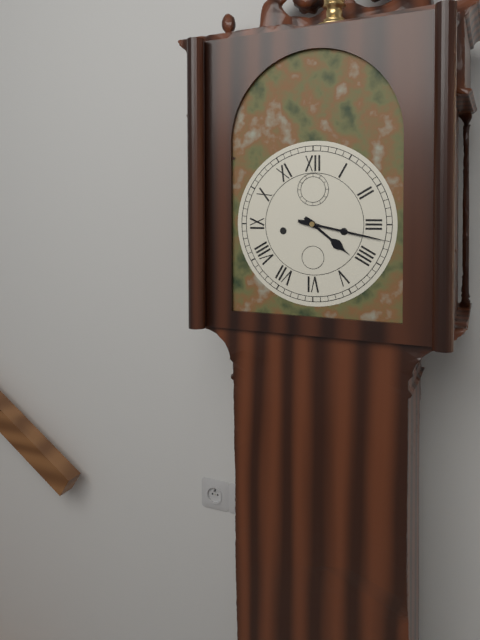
4:17
